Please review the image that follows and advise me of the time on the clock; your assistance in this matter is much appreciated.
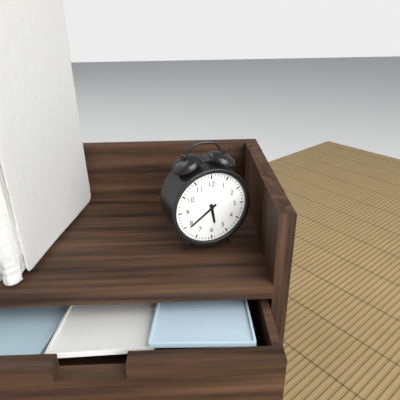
5:39
